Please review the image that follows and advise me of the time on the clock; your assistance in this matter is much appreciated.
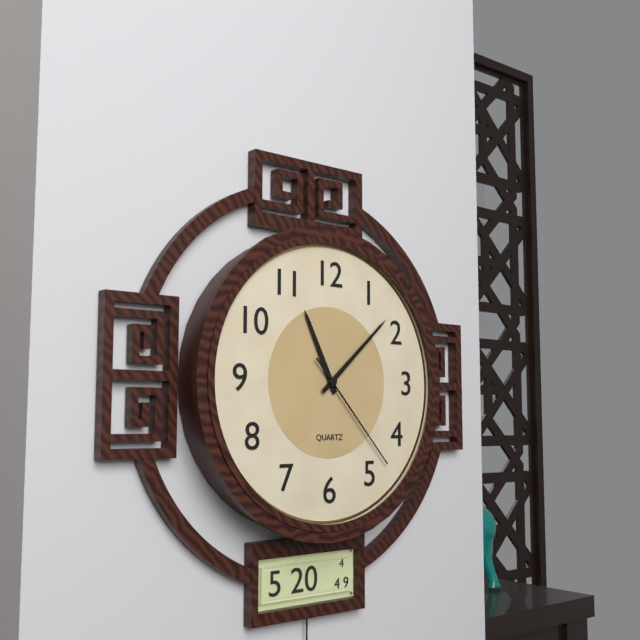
11:08:23
